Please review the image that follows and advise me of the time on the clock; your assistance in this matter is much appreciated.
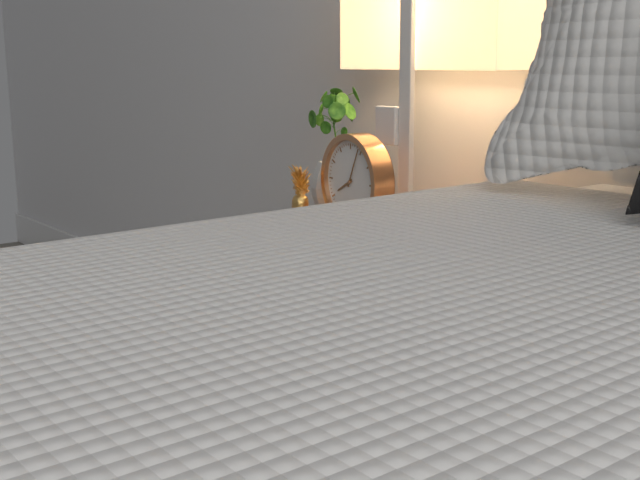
8:04
